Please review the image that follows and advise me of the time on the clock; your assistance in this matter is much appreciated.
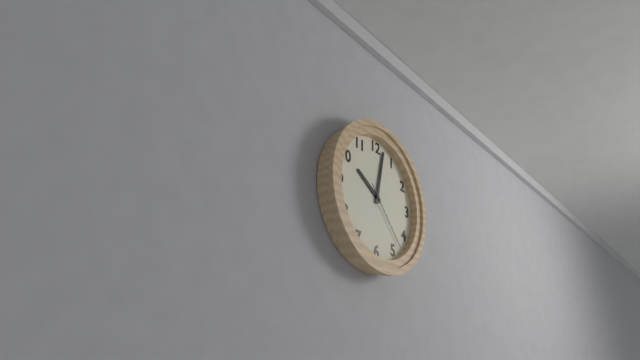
10:02:23
